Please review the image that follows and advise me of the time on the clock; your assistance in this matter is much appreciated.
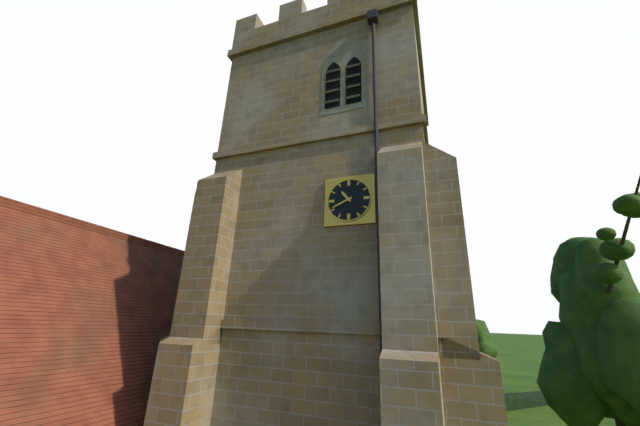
10:41
